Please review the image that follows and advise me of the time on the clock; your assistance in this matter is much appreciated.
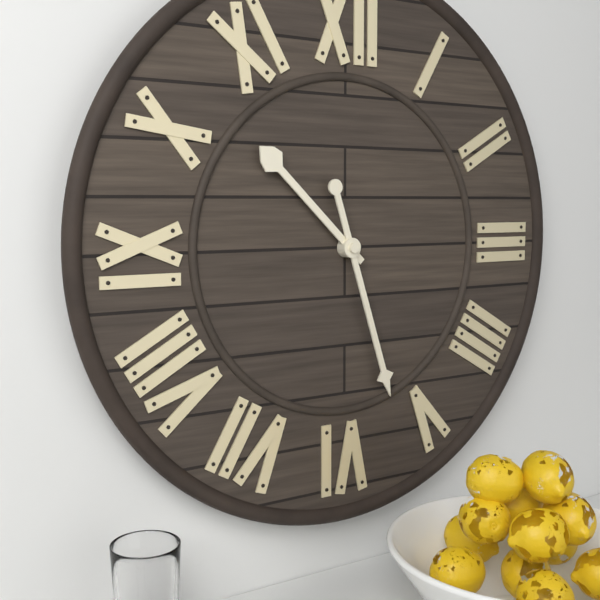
10:27
